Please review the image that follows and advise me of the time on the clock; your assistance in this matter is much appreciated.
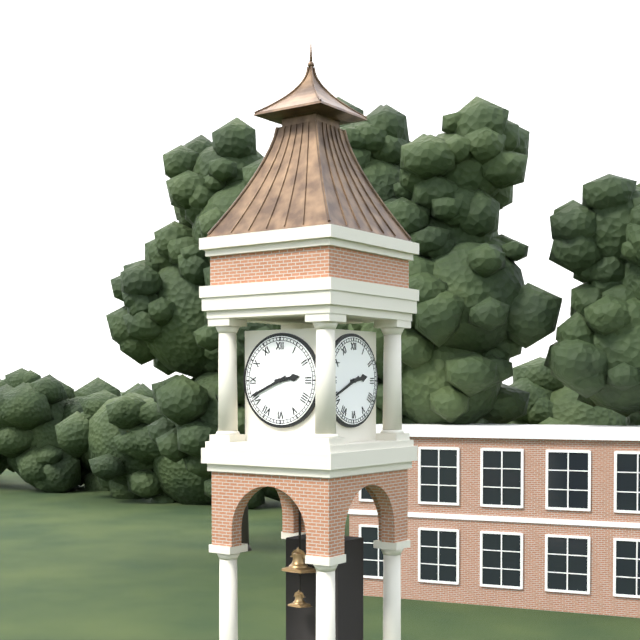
2:41
